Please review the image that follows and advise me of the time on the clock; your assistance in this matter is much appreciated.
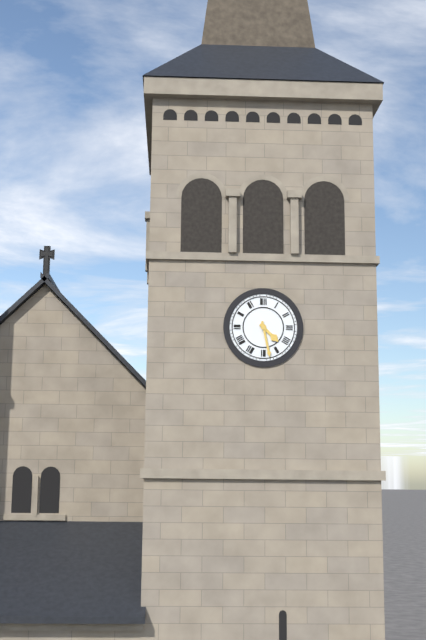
4:28
